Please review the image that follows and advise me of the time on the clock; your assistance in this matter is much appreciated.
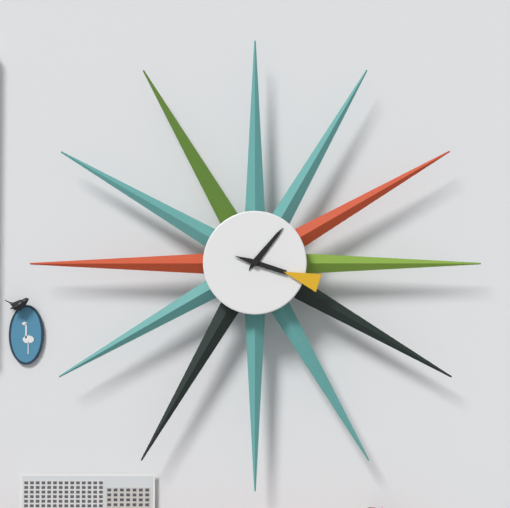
1:18
